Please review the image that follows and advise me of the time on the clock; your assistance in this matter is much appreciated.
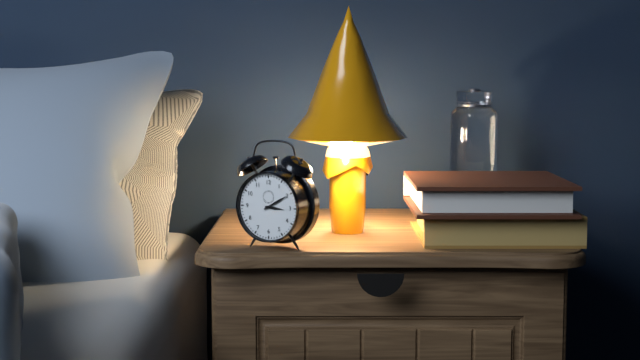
3:10
